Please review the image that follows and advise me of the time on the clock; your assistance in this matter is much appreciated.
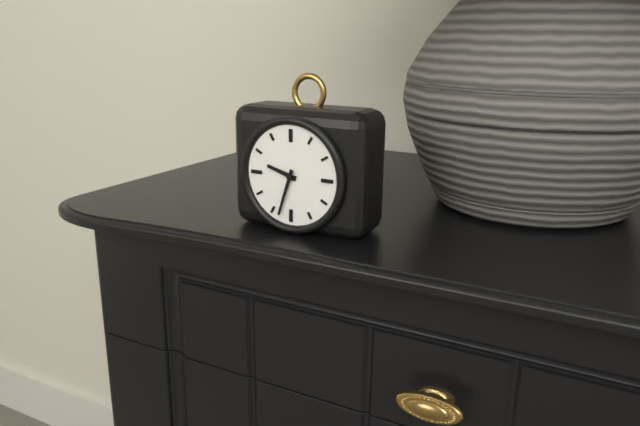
9:33
